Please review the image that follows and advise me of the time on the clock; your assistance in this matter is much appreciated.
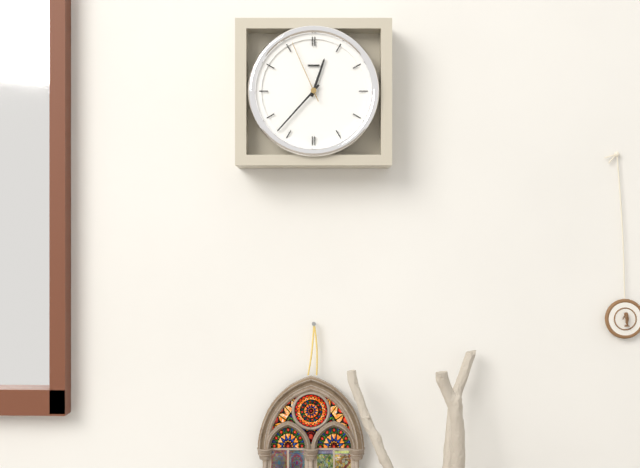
12:37:56
